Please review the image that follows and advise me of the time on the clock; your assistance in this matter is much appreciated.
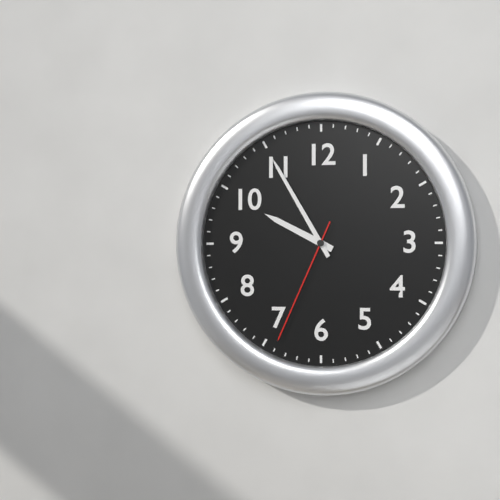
9:55:34
